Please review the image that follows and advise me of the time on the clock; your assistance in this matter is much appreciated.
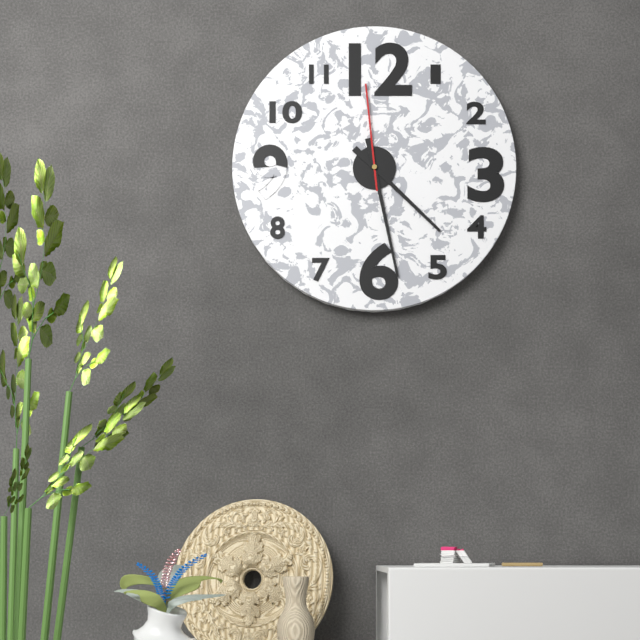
4:28:59
